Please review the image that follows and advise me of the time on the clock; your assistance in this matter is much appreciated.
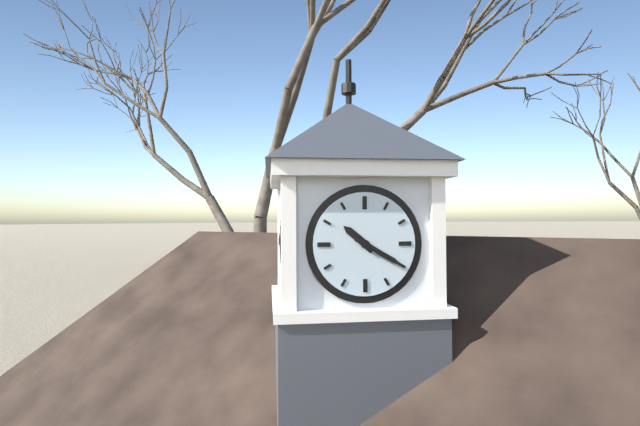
10:20
